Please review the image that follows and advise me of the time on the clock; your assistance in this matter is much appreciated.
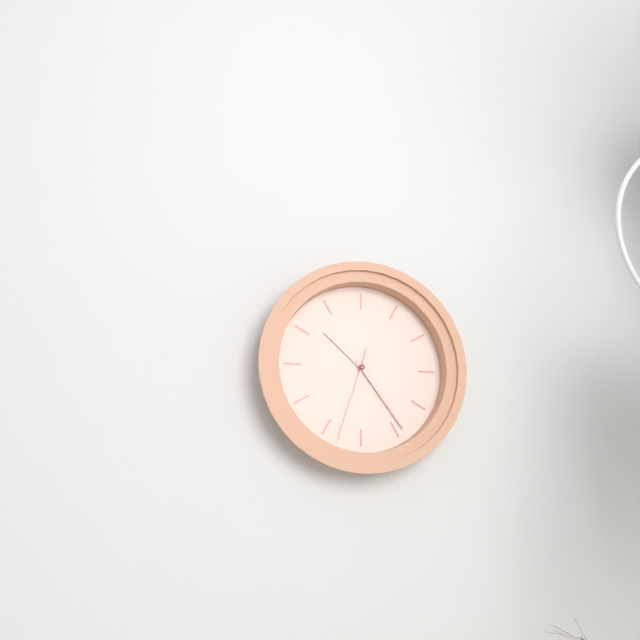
10:24:33
